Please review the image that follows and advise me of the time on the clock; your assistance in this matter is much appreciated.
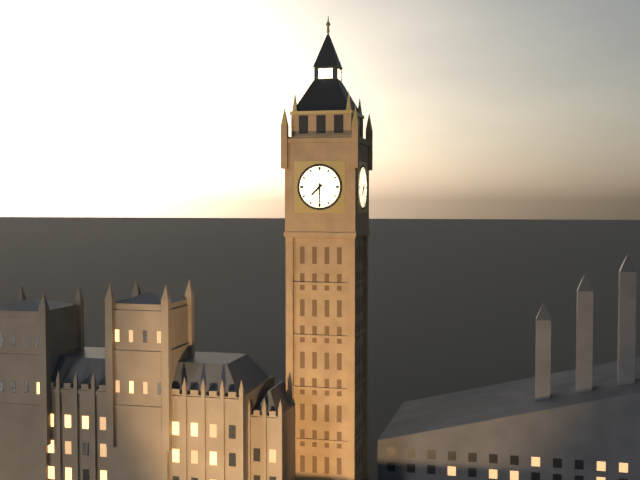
7:30
